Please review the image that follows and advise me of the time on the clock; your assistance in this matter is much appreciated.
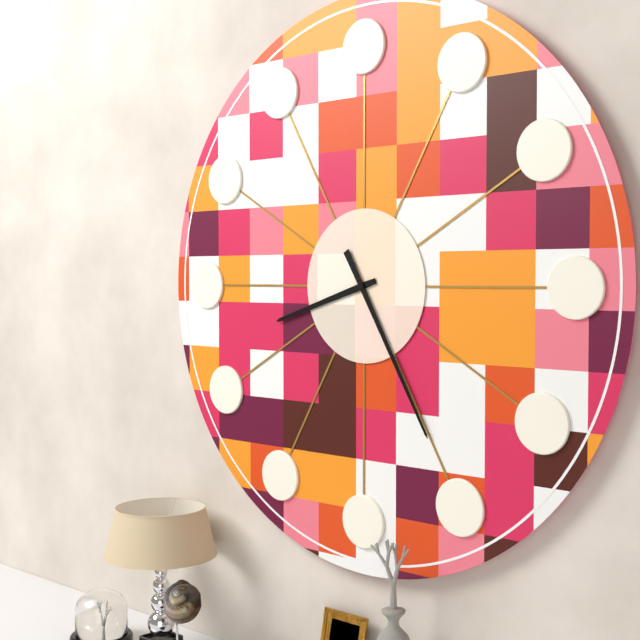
8:25
